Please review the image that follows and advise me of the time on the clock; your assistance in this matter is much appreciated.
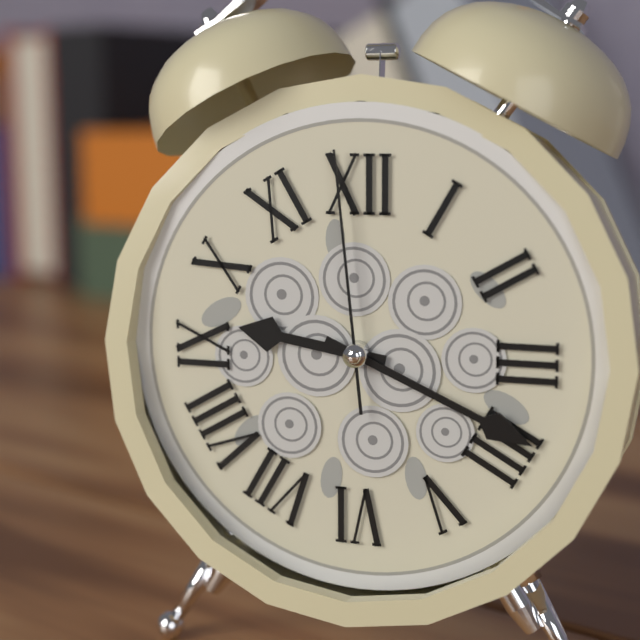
9:19:59
